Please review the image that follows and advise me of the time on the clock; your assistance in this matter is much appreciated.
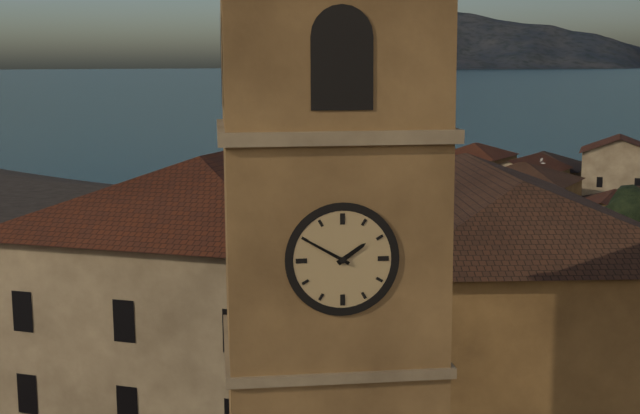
1:50
